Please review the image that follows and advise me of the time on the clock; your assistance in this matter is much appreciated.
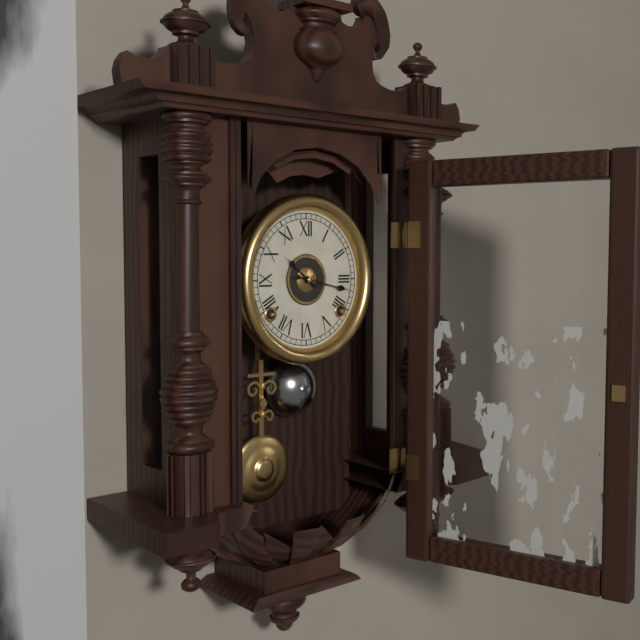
10:17
